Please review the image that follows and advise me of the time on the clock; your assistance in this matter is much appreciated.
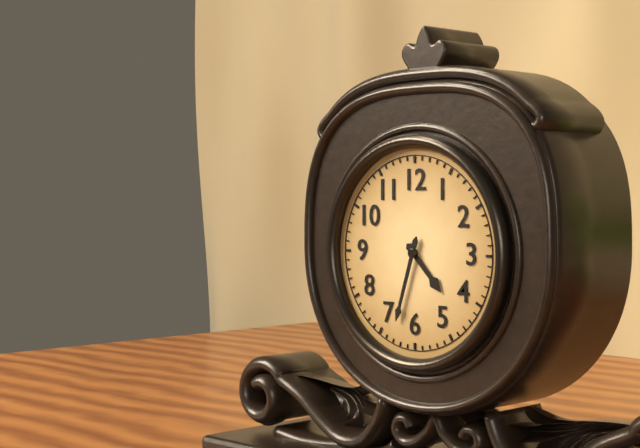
4:33
